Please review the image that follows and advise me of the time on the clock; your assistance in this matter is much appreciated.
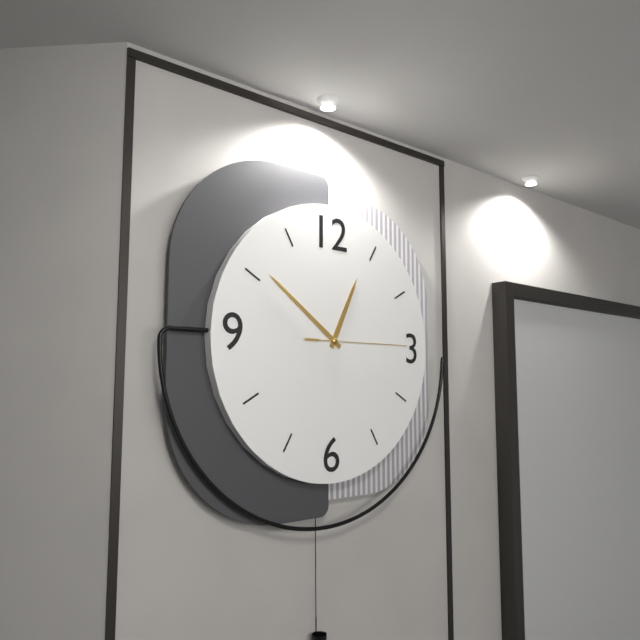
12:51:15
